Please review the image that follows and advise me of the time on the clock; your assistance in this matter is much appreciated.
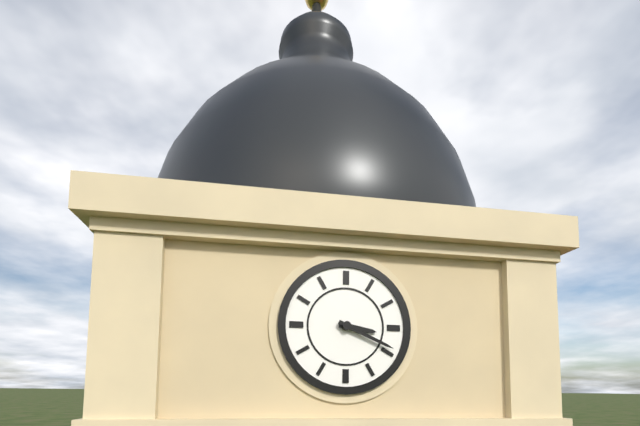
3:19
